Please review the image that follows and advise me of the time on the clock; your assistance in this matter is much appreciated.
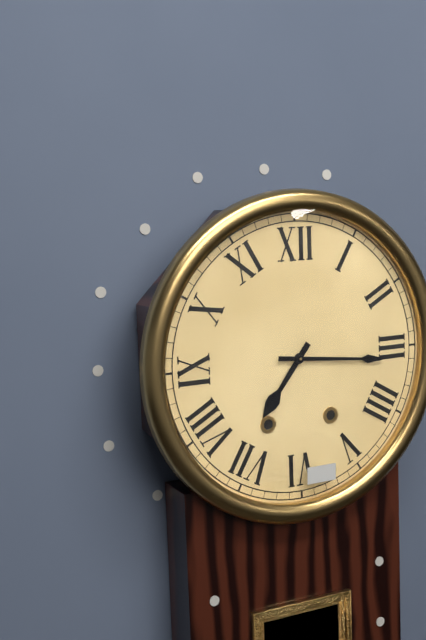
7:16
